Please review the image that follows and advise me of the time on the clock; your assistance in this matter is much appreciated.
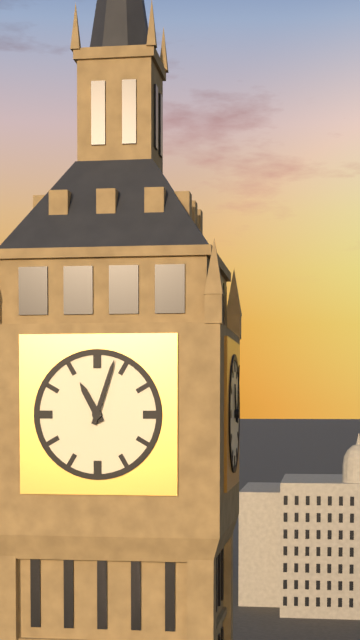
11:03
